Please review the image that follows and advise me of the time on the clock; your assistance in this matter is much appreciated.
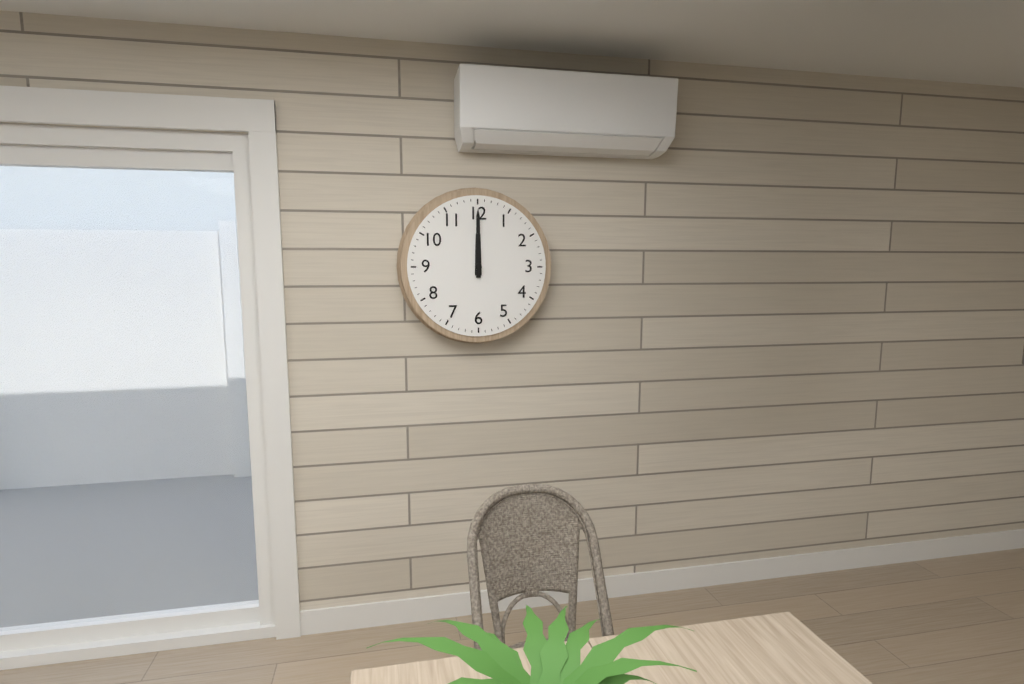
12:00
